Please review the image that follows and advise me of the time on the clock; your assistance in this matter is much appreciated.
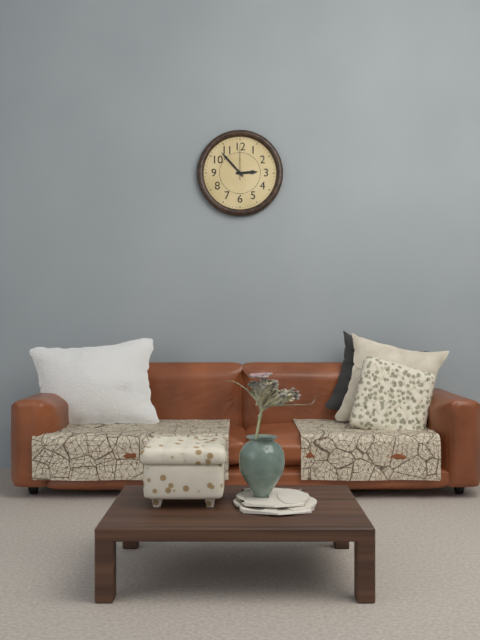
2:53
